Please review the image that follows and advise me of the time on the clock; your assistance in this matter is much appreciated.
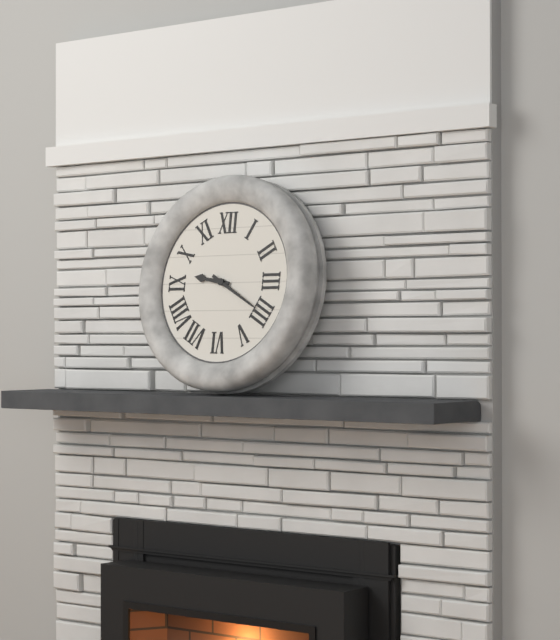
9:20
